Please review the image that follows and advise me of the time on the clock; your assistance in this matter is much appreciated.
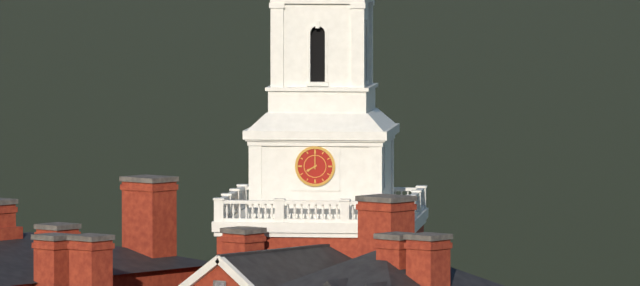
8:00
